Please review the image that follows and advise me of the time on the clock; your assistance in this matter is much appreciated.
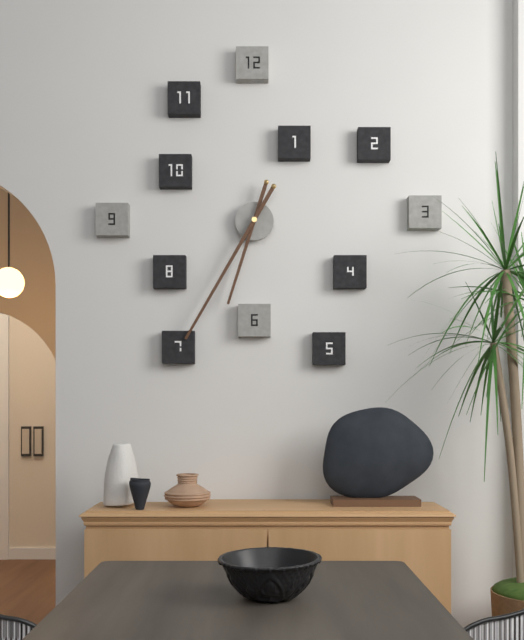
6:35
